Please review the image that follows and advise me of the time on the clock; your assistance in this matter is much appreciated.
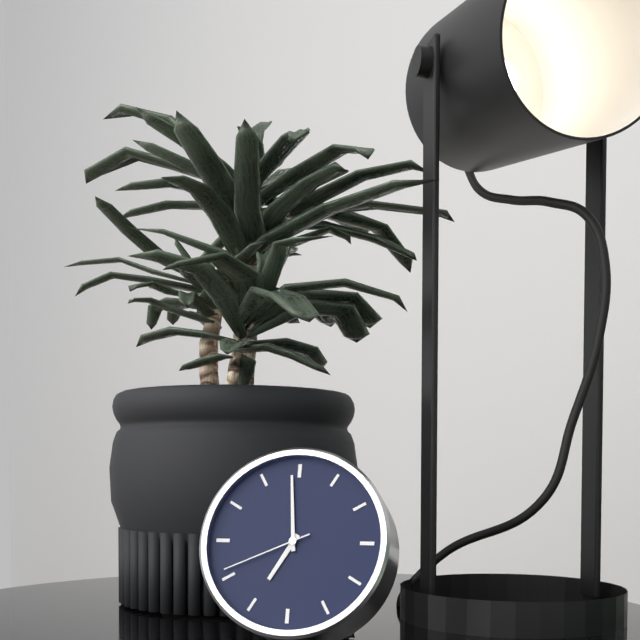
6:59:41
